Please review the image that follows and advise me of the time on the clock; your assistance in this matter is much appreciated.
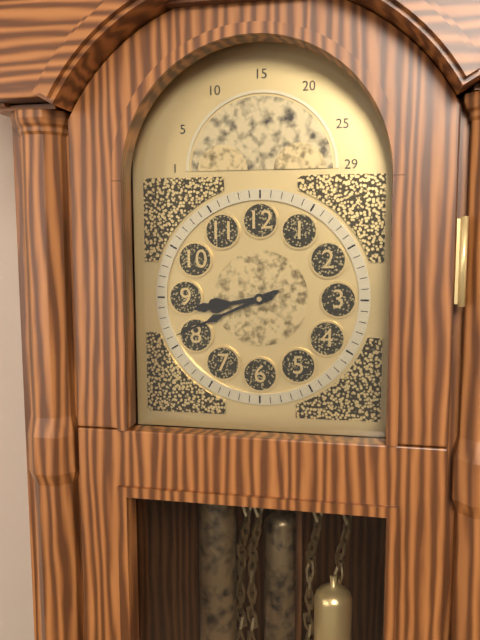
8:41
